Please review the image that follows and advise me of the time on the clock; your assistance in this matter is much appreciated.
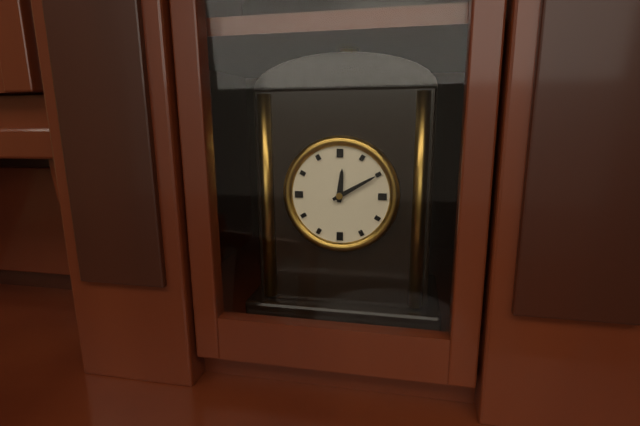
12:10
